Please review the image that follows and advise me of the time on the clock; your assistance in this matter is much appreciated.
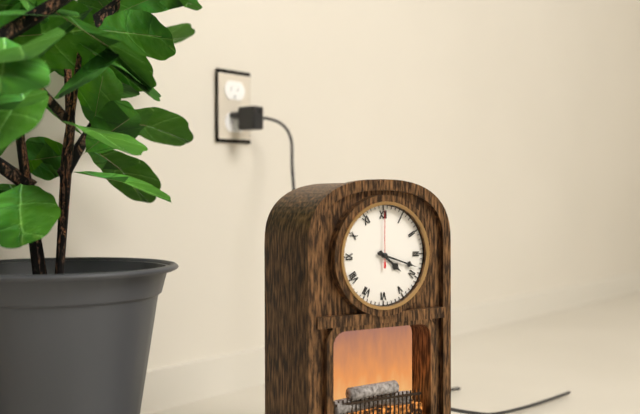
4:18:00
